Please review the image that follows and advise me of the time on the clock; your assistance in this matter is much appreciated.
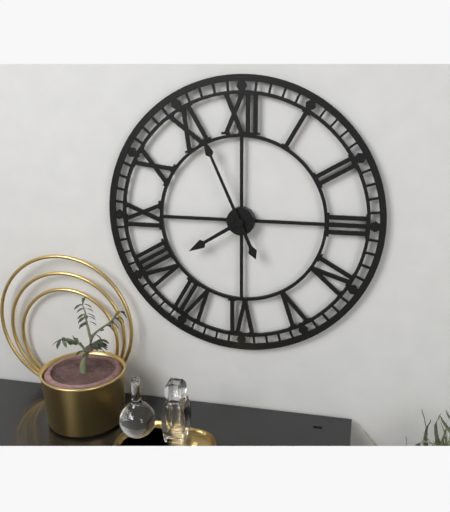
7:56
